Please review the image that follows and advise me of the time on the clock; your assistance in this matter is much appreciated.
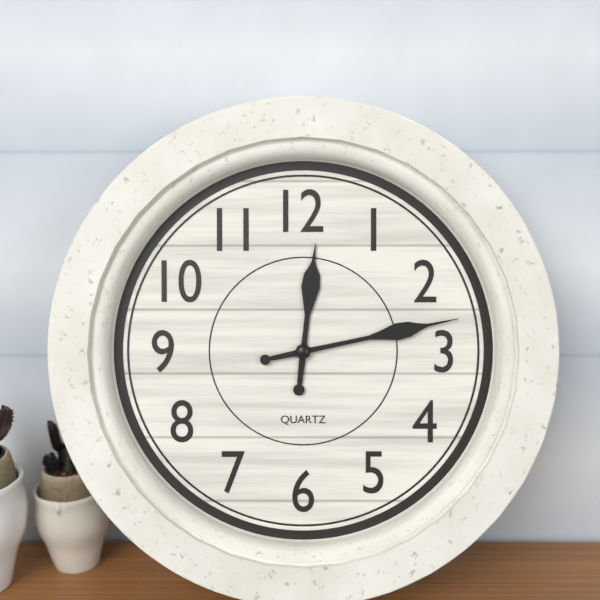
12:13
